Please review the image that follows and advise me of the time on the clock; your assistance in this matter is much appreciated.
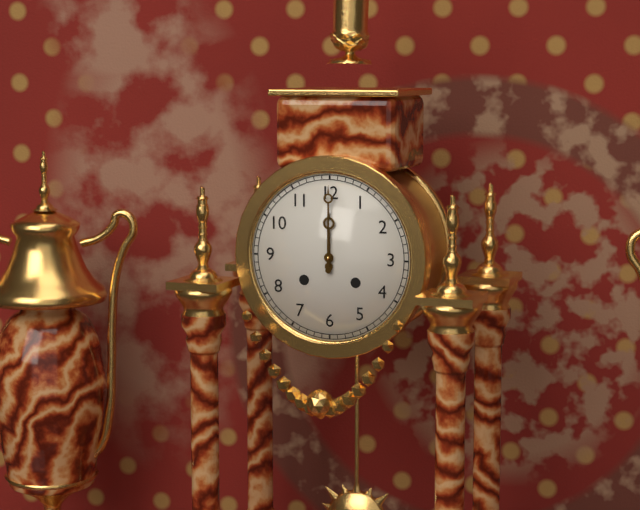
12:00
